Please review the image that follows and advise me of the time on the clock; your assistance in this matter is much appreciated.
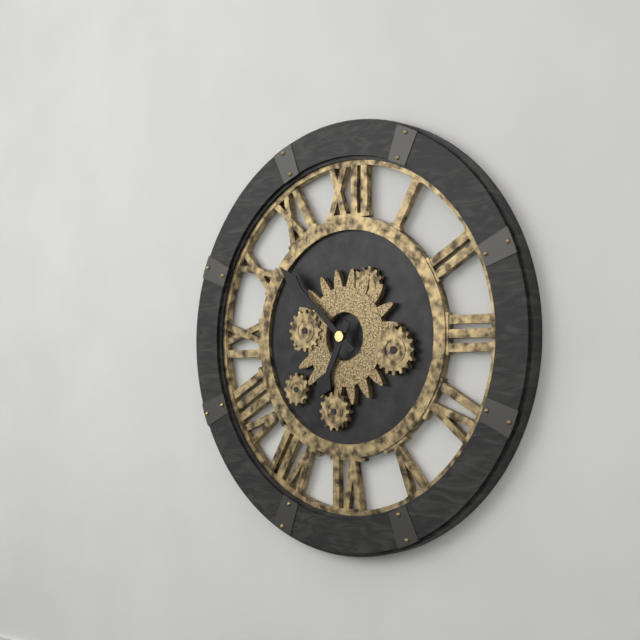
6:52
